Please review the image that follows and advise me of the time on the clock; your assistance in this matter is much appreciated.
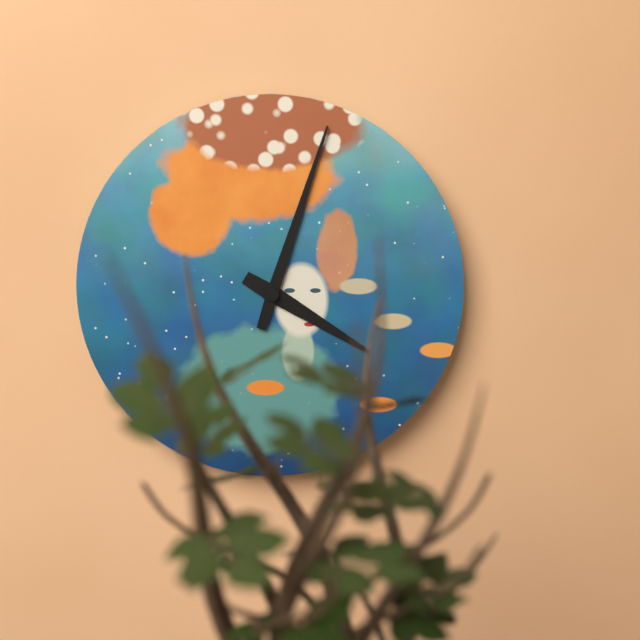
4:03
